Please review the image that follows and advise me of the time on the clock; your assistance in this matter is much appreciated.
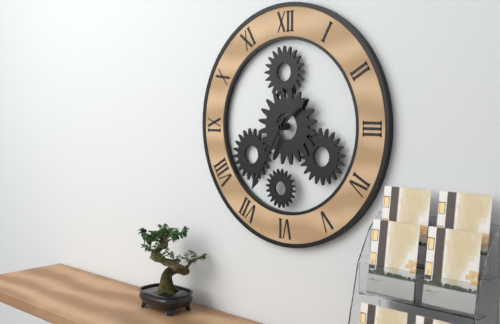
1:35
